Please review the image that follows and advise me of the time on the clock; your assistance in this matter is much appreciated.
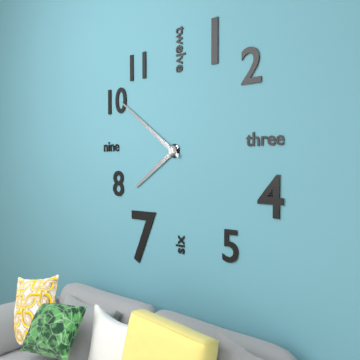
7:51
